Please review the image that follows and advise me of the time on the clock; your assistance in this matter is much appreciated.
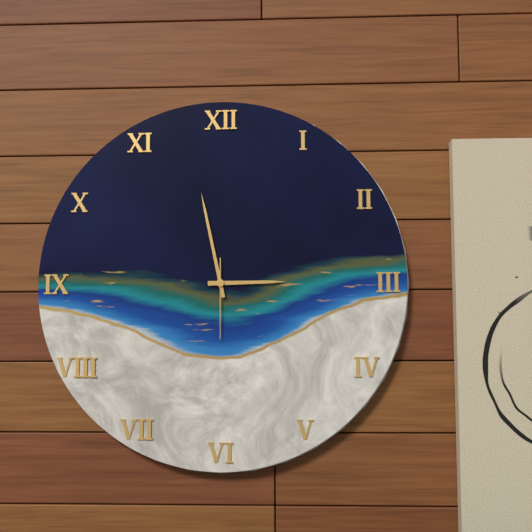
2:58:30
